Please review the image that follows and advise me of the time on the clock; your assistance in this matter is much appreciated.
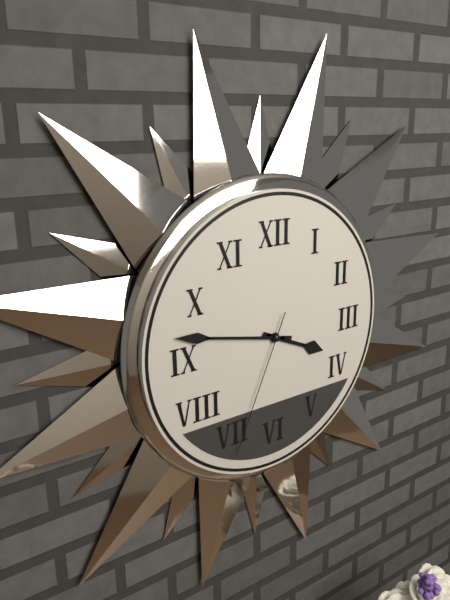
3:47:34
